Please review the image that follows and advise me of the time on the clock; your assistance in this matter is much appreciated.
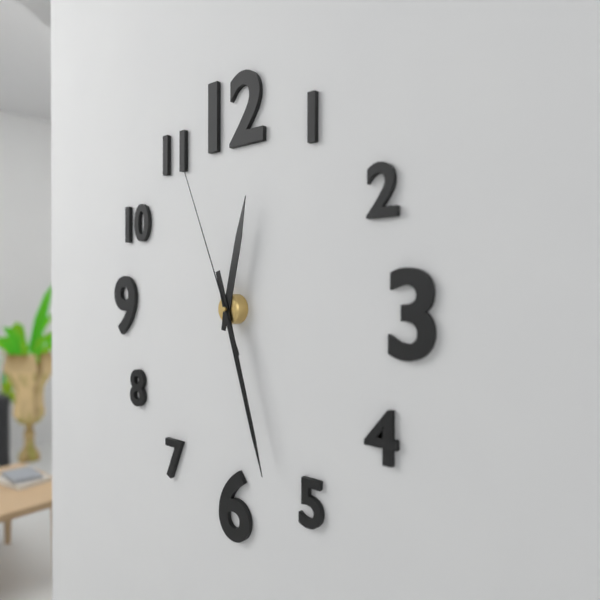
12:27:56
